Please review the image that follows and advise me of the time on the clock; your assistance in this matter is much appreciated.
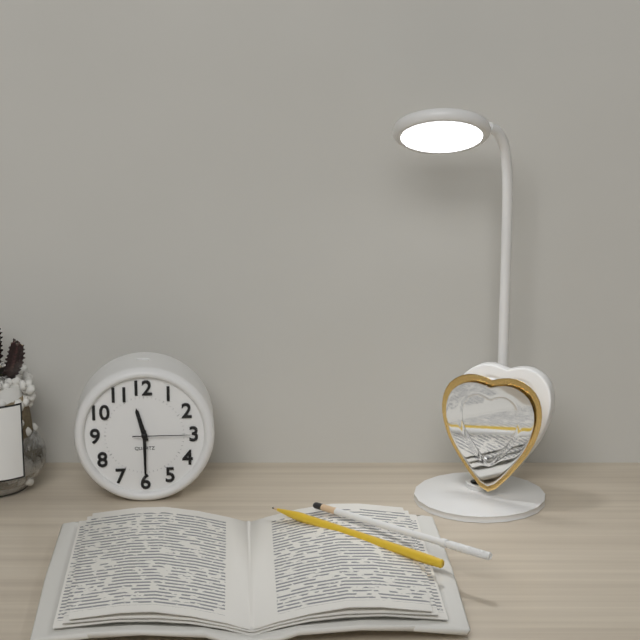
11:30:15
